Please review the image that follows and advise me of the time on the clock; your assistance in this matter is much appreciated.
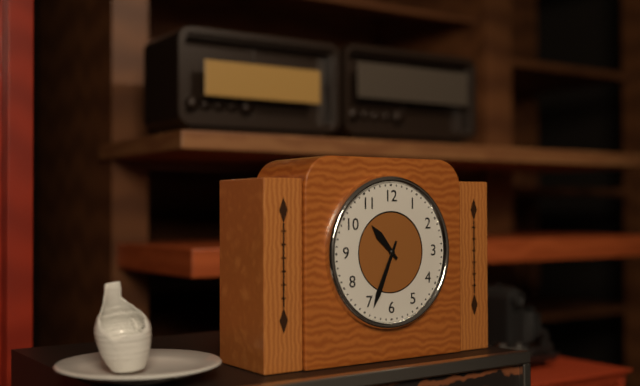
10:34
